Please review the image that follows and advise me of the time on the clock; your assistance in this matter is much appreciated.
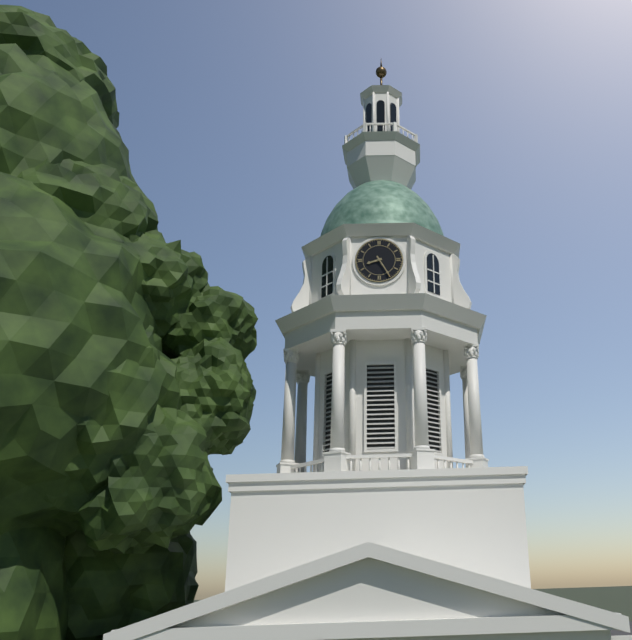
8:25
